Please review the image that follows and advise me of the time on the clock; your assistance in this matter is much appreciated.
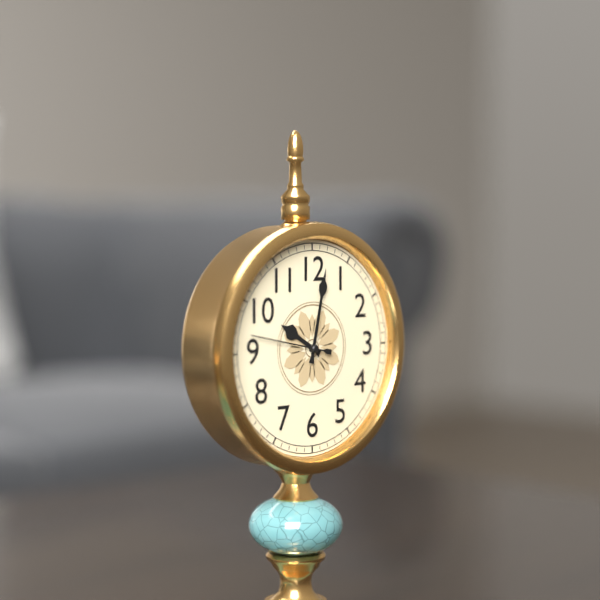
10:02:47
